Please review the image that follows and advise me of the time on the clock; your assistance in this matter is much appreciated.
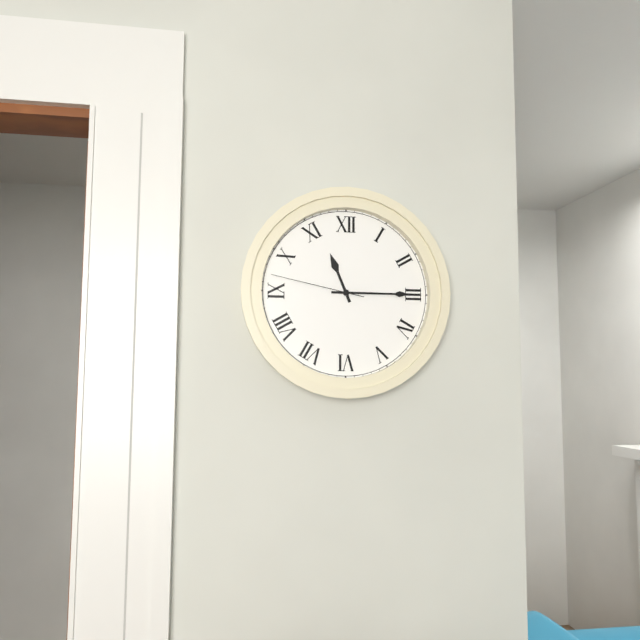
11:15:47
